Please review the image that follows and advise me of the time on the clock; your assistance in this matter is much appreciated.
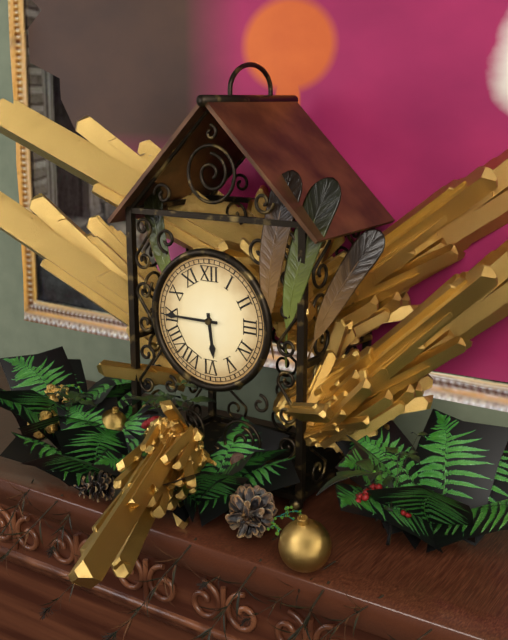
5:45
